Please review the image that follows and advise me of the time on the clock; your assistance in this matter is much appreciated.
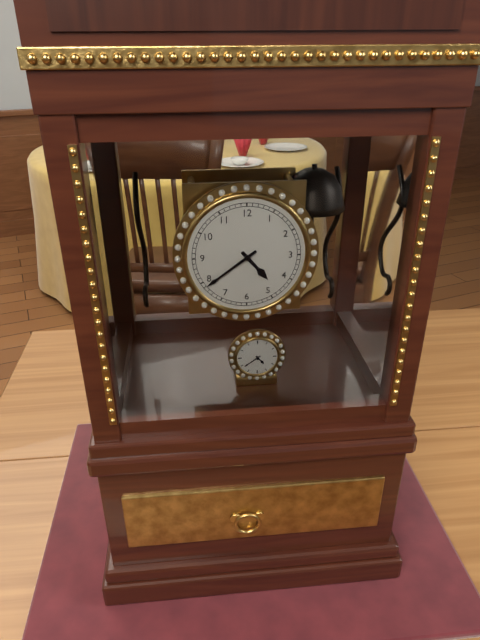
4:39
